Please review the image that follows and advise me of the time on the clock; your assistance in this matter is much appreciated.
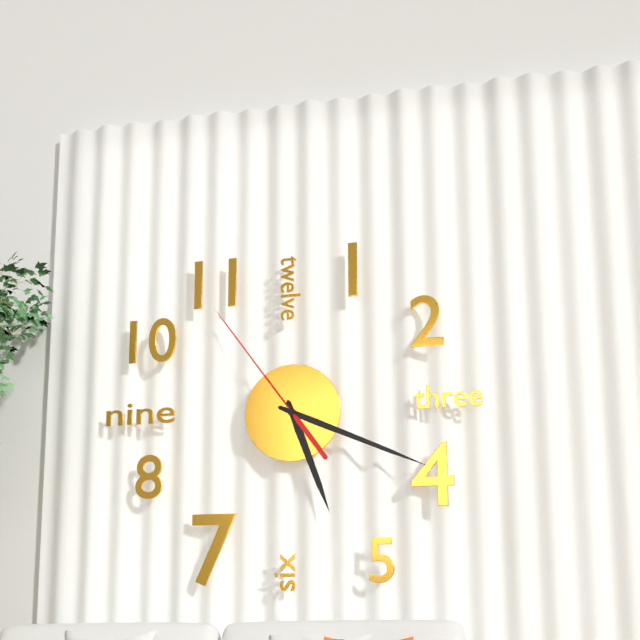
5:19:54
